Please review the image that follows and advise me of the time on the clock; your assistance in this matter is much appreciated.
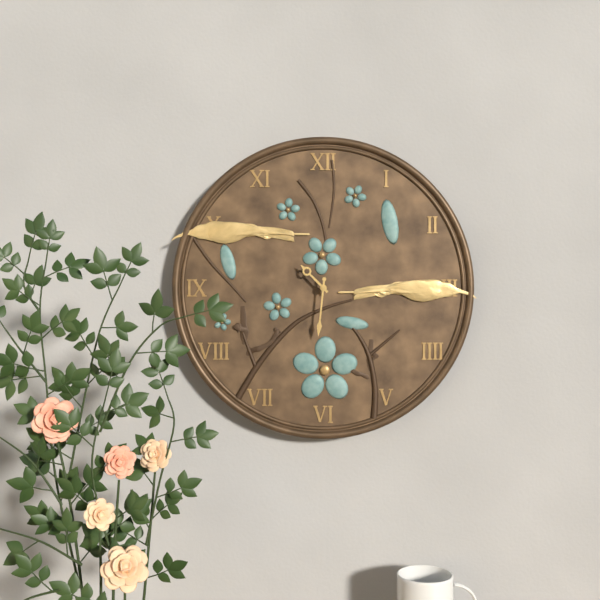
10:31
